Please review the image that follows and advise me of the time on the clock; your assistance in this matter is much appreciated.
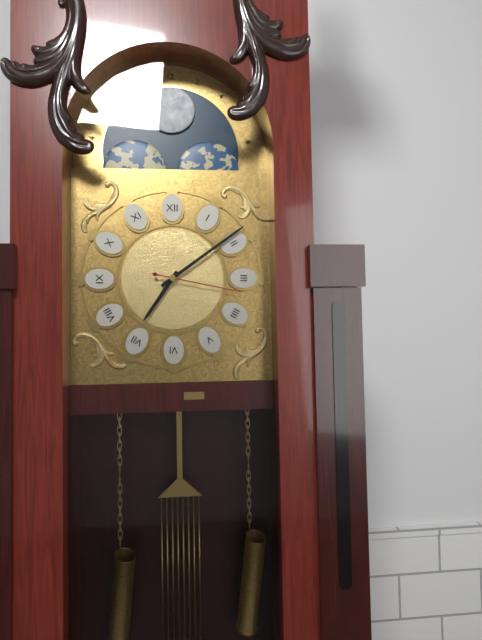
7:09:17
